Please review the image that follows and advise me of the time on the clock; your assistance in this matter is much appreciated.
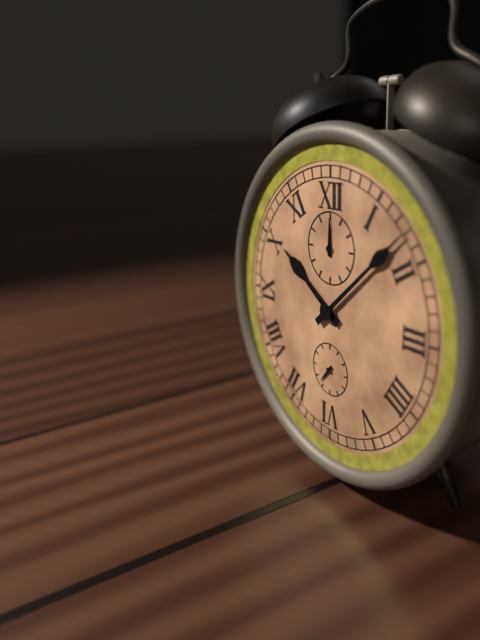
10:08
